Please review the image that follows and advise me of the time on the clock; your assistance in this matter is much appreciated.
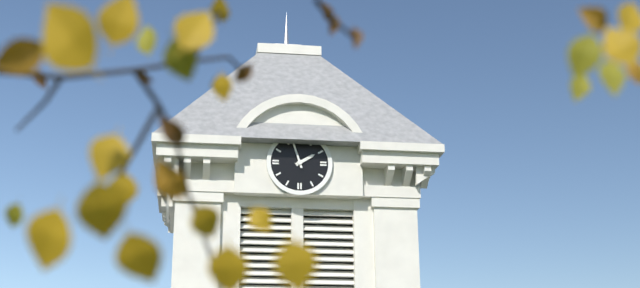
1:57
